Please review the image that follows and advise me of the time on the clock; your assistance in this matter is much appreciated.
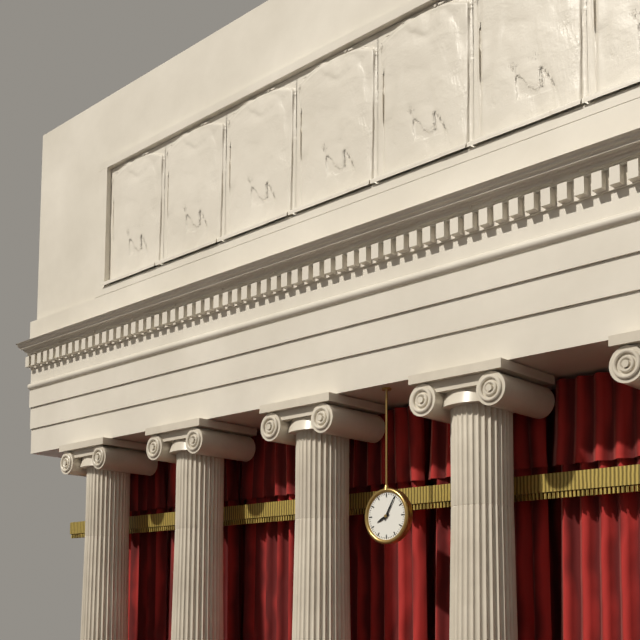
8:05
